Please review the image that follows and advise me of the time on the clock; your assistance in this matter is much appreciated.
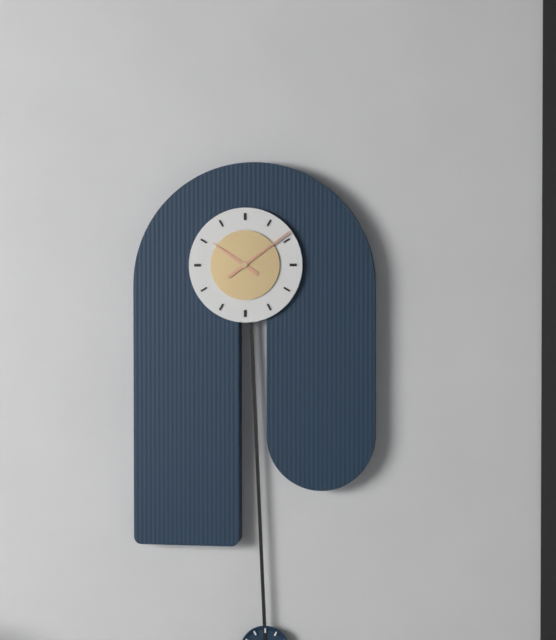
10:09
